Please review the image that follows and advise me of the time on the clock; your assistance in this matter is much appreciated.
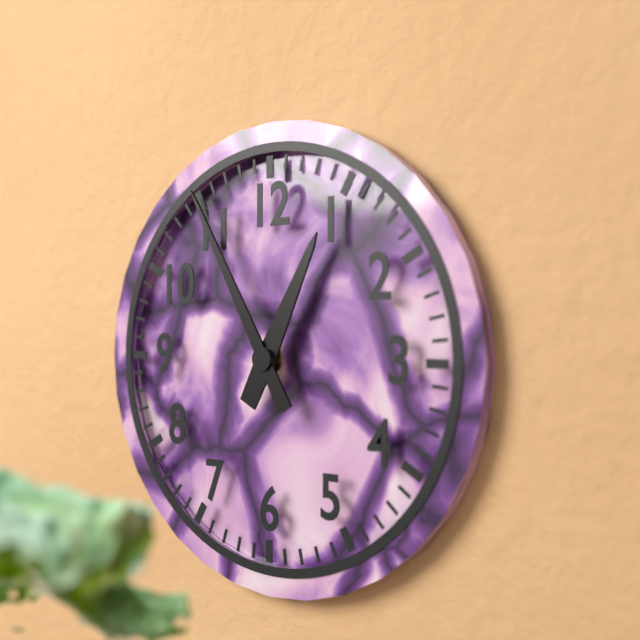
12:55
